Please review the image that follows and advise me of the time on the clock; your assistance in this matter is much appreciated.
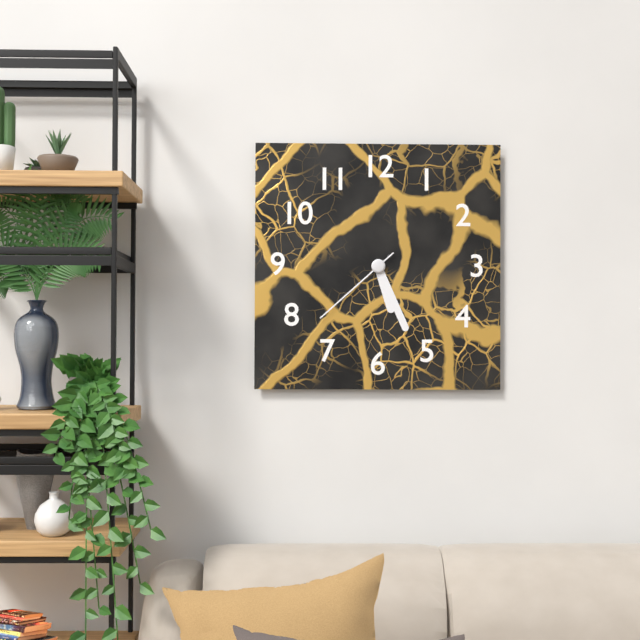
5:26:38
